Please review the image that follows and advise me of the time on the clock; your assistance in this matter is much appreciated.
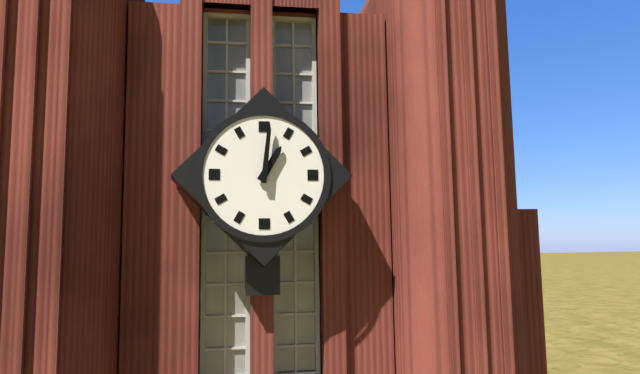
1:01
